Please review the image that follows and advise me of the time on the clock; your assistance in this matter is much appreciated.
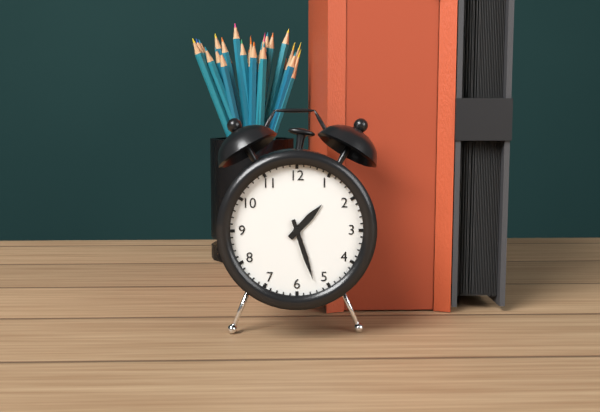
1:27
